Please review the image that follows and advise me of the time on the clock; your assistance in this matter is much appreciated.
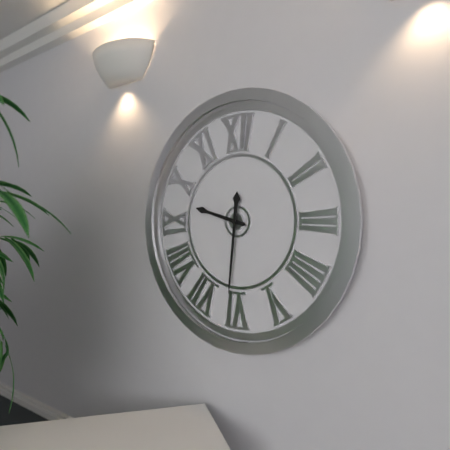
9:31
